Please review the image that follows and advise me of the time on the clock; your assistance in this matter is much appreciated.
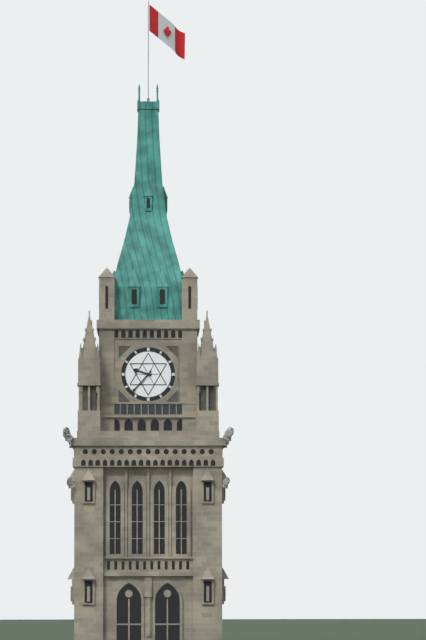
9:37
